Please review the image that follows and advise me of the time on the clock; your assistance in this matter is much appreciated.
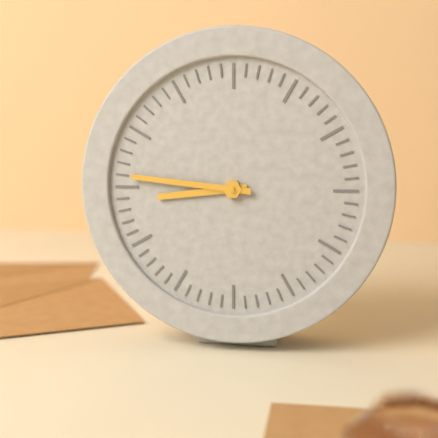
8:46
